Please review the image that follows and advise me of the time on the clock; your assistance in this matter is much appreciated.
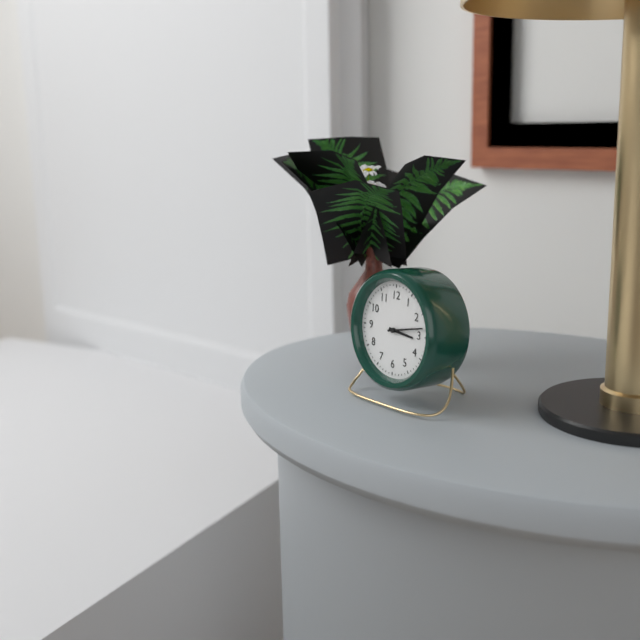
3:13
